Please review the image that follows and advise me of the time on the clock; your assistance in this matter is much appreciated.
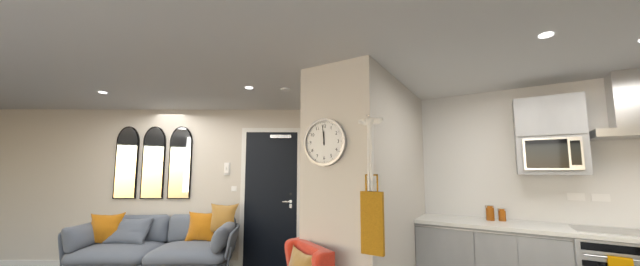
11:59
